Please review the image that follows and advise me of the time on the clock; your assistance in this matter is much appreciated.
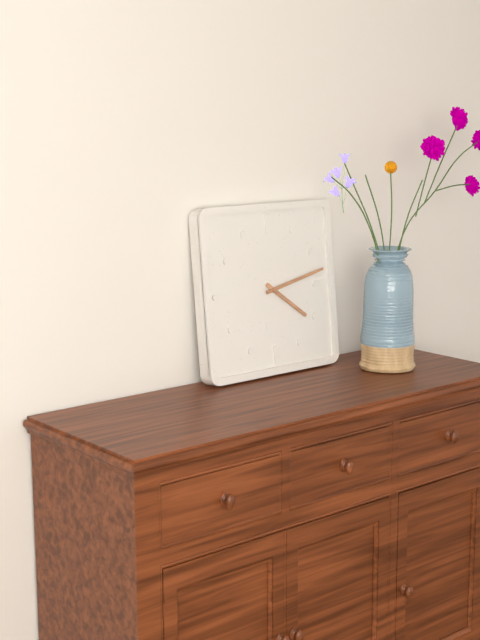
4:13
